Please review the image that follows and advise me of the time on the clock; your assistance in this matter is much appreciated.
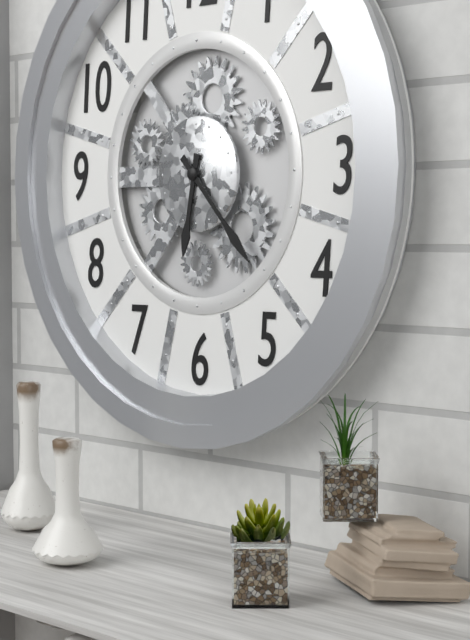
6:23
